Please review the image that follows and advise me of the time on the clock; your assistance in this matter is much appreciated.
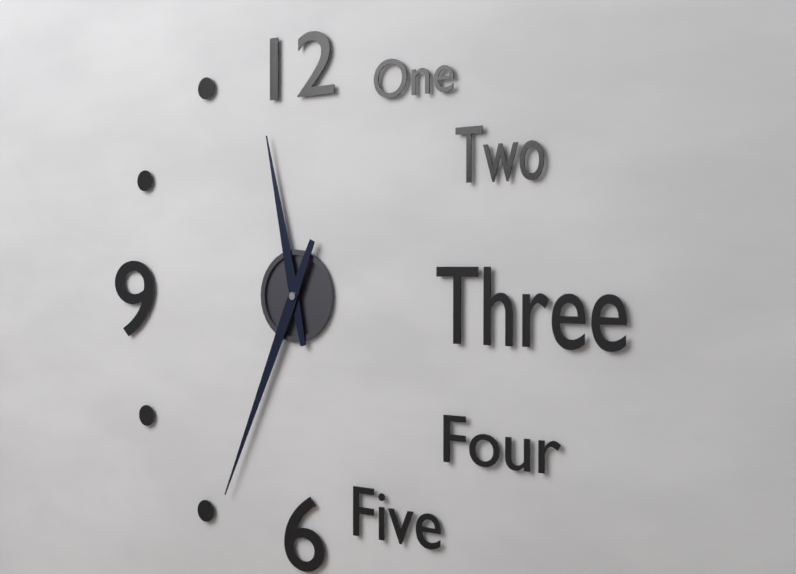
11:34
